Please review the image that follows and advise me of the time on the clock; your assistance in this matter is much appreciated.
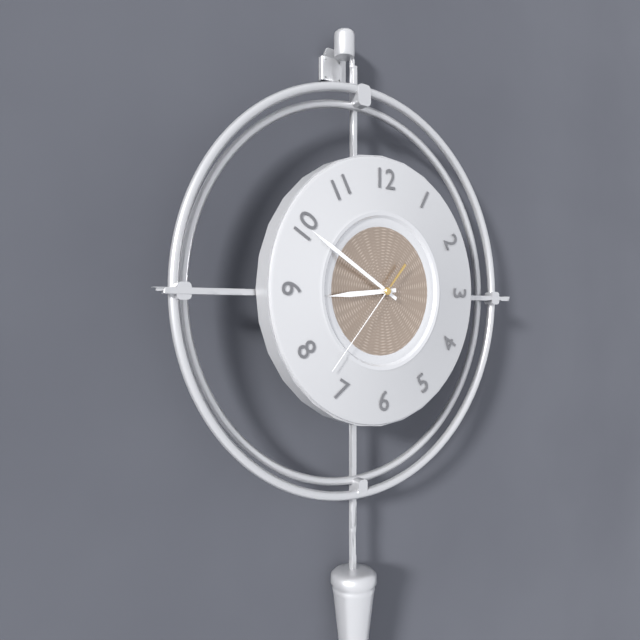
8:50:37
